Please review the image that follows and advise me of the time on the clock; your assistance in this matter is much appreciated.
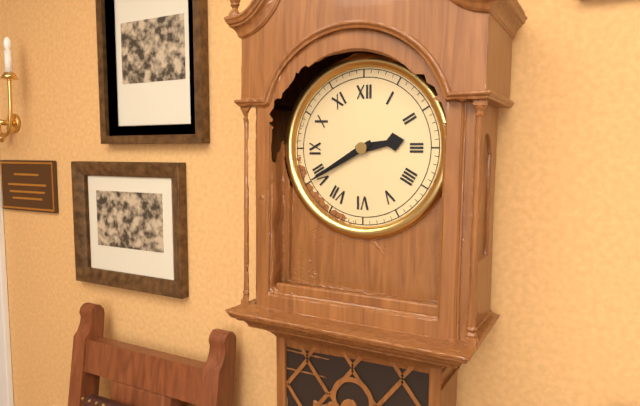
2:40
